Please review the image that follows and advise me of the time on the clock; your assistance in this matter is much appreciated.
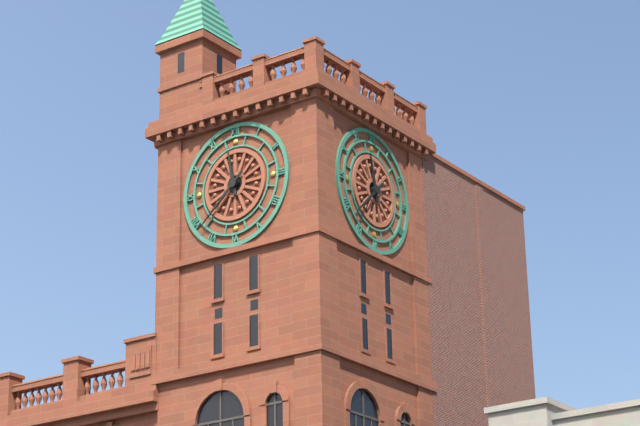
11:38
